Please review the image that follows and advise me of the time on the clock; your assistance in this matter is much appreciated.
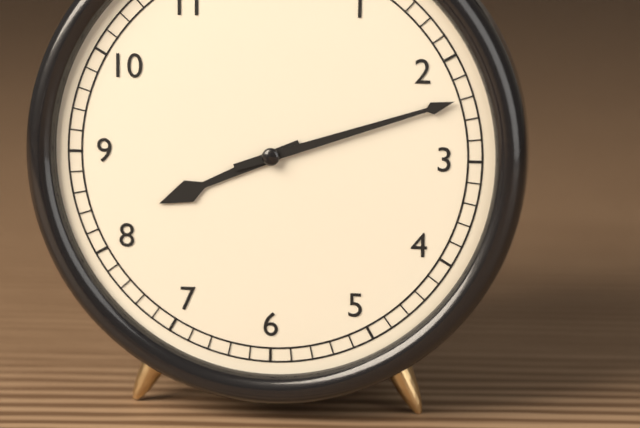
8:12
